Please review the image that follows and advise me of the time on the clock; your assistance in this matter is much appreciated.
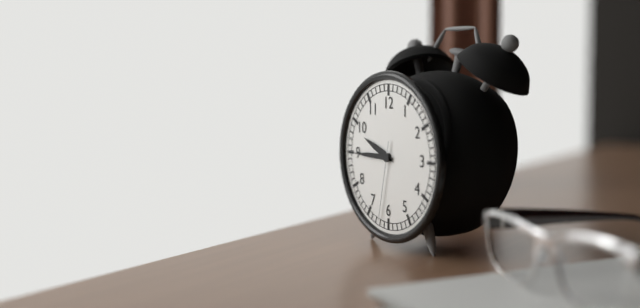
9:45:32
